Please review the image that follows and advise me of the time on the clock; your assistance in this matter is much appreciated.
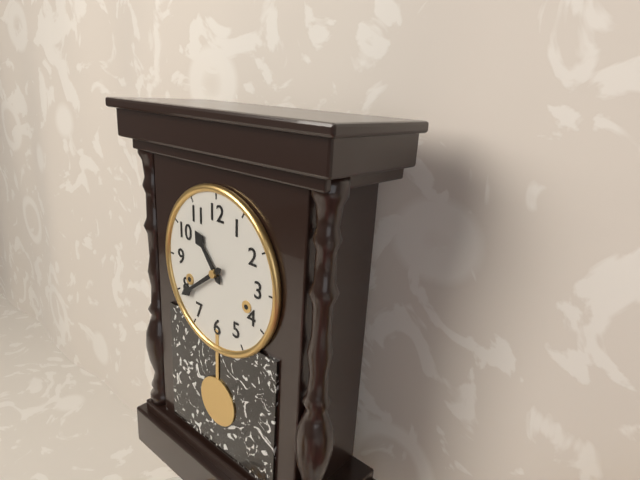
10:39
